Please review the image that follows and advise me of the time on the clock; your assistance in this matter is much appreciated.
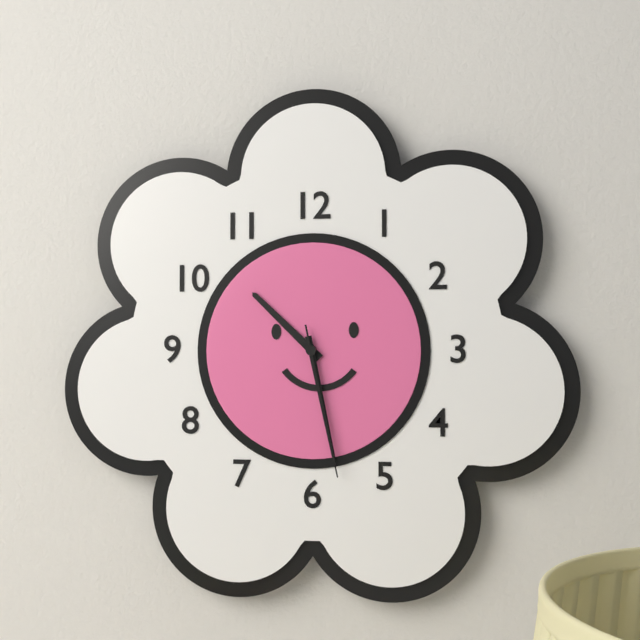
10:28:28
